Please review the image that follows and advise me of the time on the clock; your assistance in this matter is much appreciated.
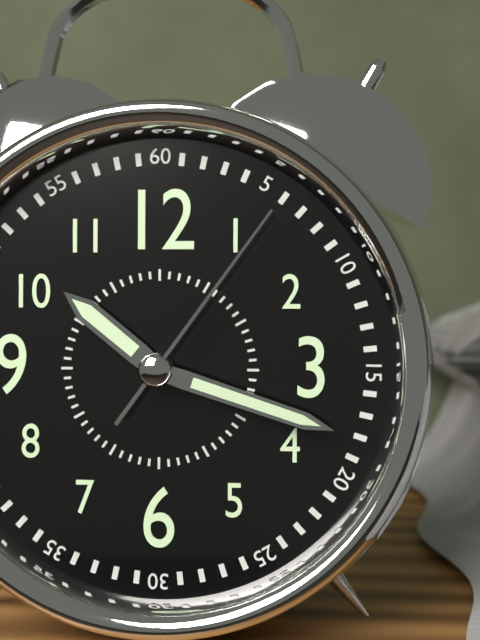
10:18:06
